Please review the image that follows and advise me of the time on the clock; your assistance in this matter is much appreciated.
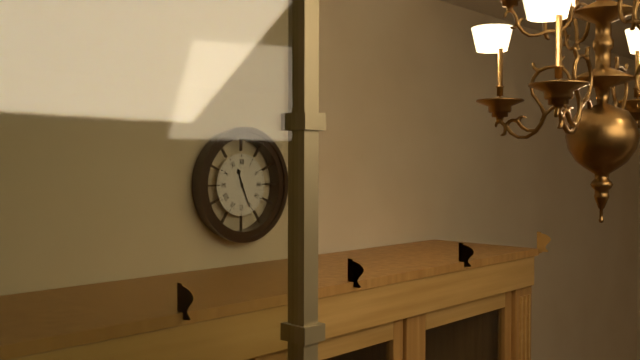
11:26
